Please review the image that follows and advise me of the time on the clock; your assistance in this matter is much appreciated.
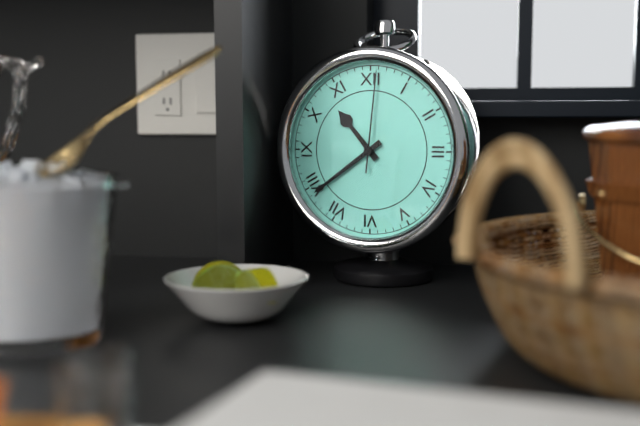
10:39:01
